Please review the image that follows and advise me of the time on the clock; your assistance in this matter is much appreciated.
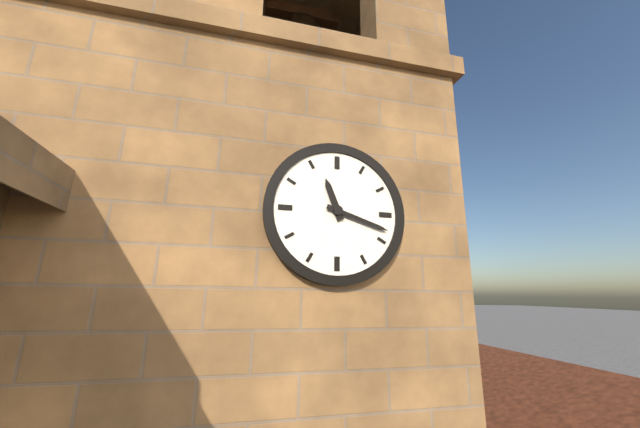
11:18
